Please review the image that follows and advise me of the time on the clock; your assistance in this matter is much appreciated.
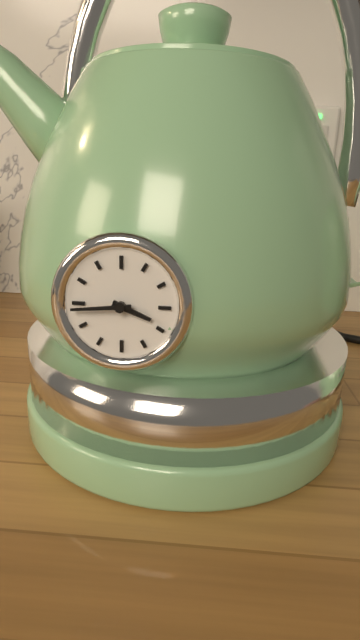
3:44
